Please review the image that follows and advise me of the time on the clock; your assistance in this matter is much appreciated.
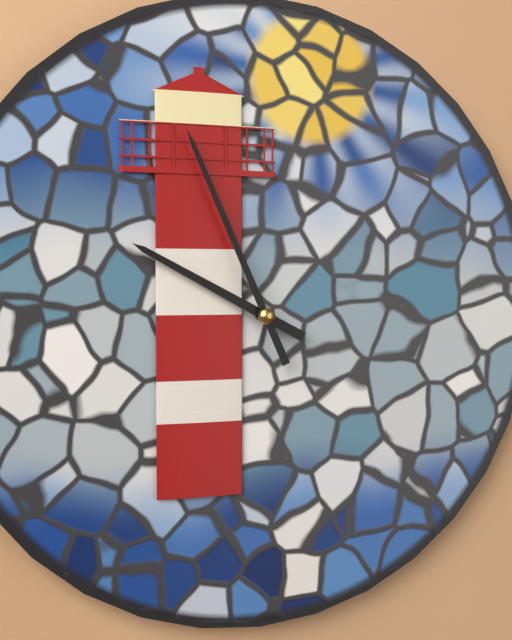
9:56
